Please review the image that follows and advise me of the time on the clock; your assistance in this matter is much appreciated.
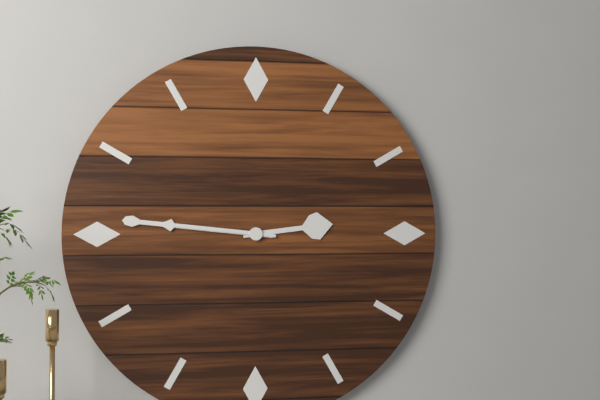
2:46:46
